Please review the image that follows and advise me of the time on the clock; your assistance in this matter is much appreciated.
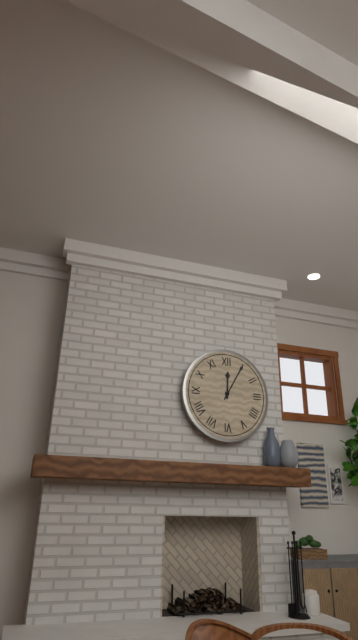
12:05
